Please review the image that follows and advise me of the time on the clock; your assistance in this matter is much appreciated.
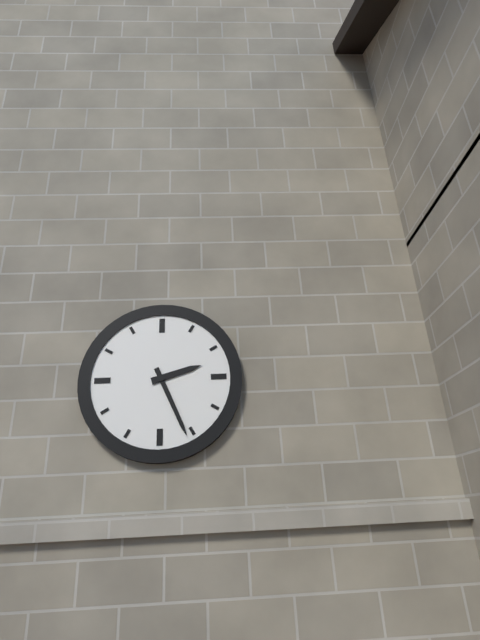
2:26
